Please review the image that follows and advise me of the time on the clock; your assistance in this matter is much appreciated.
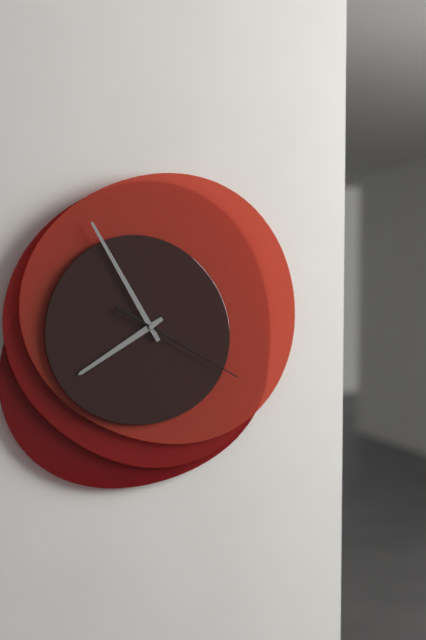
7:55:20
